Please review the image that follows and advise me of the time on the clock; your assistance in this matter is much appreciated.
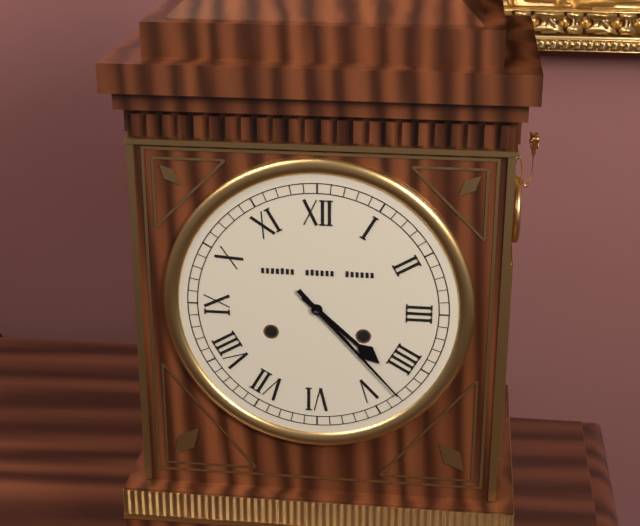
4:23
